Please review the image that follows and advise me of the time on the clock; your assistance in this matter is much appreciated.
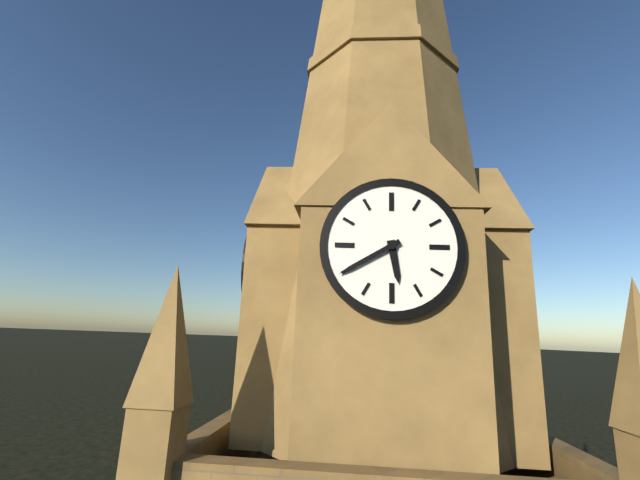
5:40
